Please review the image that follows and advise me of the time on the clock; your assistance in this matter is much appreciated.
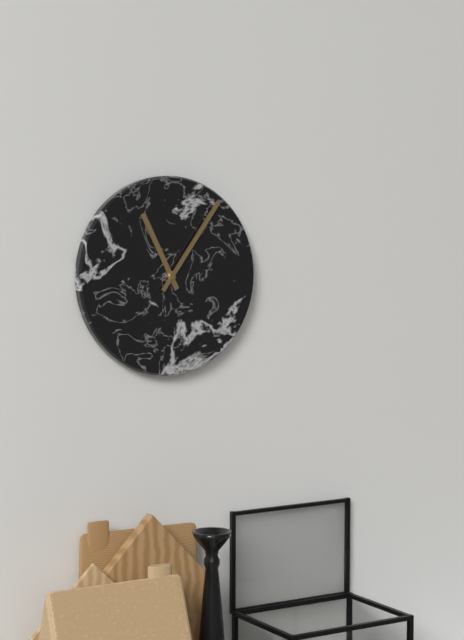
11:06
